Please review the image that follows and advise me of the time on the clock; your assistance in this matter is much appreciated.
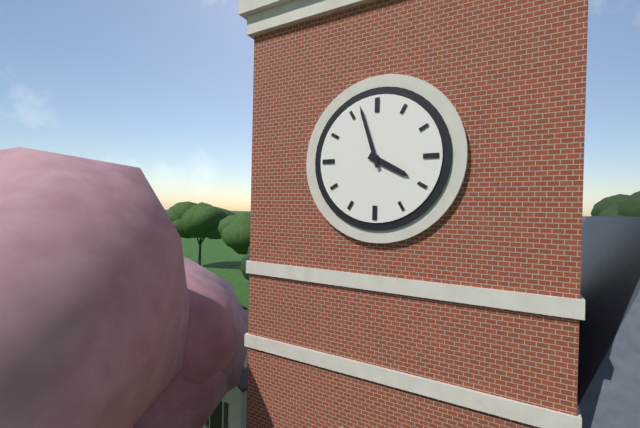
3:57
